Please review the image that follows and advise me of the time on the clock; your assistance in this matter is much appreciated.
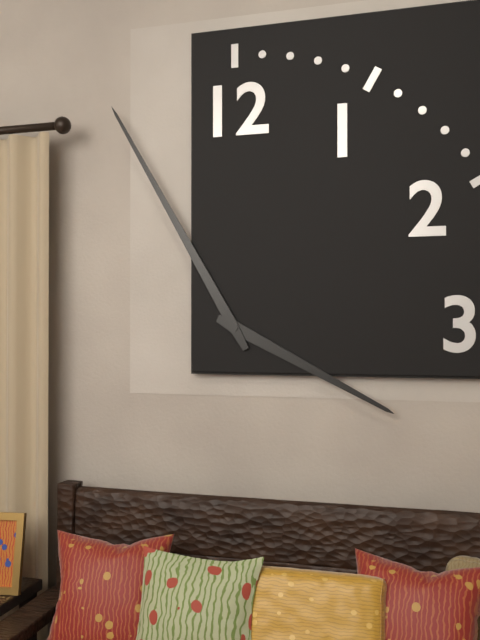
3:55
